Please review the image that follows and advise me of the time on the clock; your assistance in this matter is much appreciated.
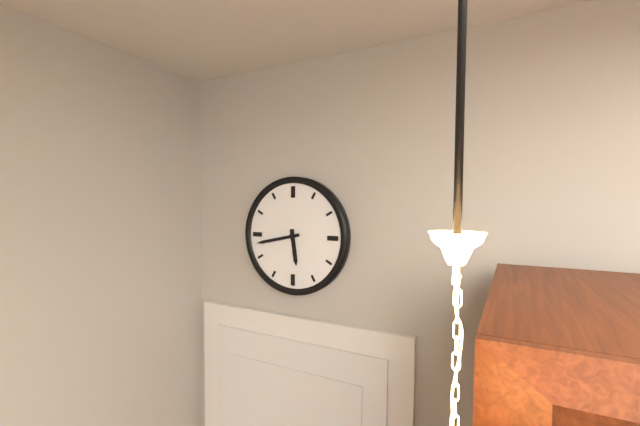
5:43
